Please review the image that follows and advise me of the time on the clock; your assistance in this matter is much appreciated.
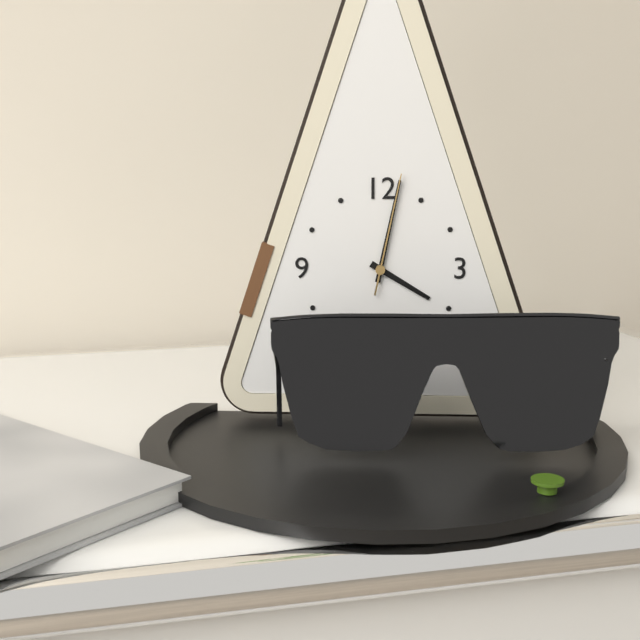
4:02:02
